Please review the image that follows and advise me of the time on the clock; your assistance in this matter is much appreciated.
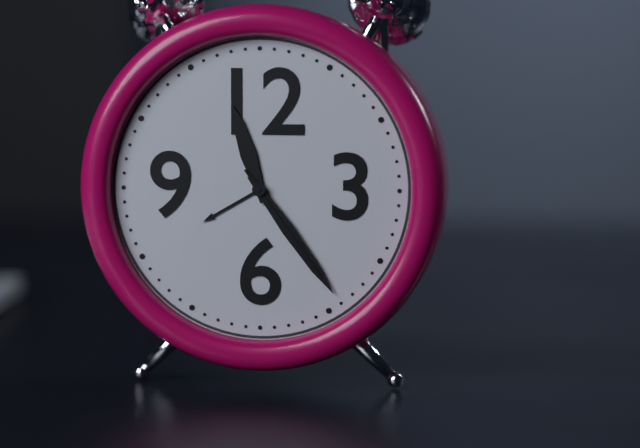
11:24:24
